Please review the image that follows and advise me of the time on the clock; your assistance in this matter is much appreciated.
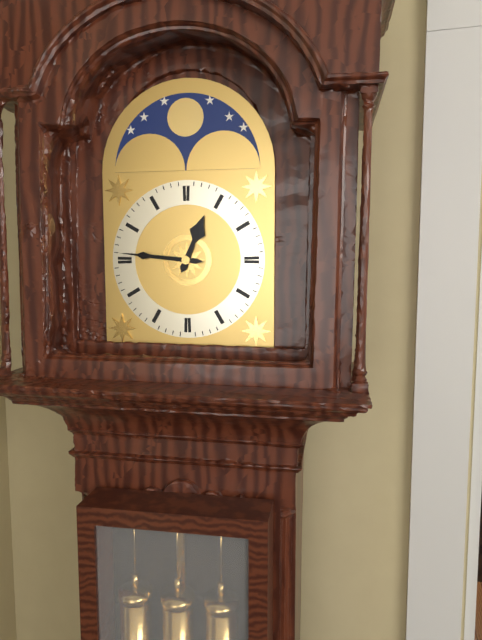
12:46
